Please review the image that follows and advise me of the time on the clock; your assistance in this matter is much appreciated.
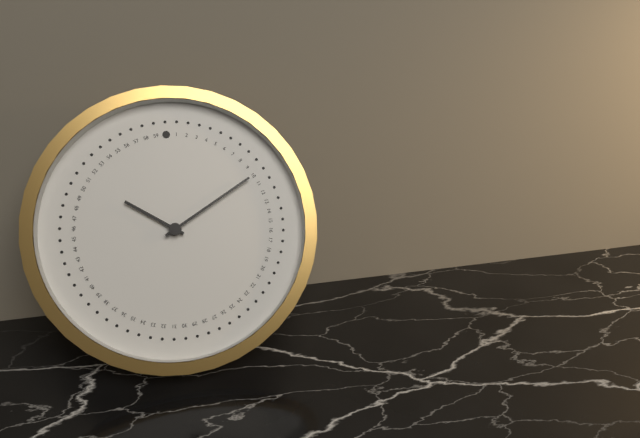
10:10
